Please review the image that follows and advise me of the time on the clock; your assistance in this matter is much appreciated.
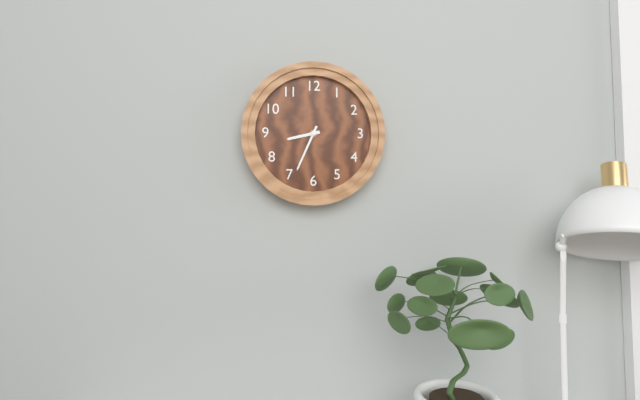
8:34
